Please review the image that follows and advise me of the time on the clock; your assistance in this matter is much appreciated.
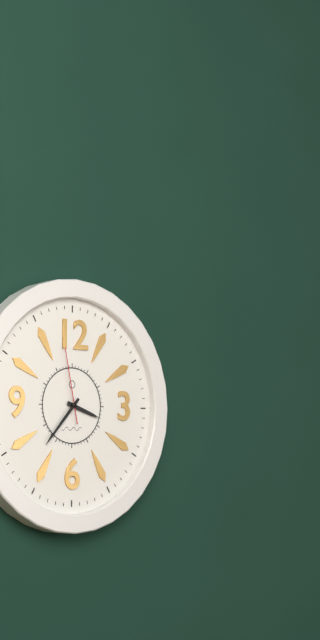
3:37:58
